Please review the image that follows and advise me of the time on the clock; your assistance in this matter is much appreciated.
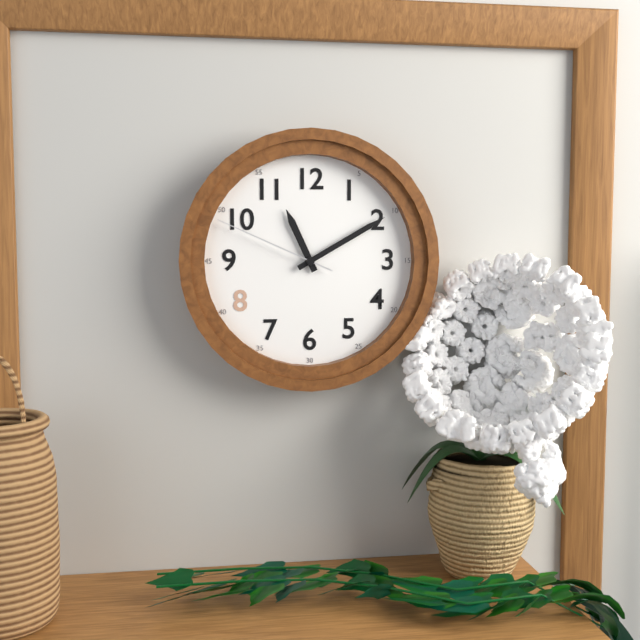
11:10:49
